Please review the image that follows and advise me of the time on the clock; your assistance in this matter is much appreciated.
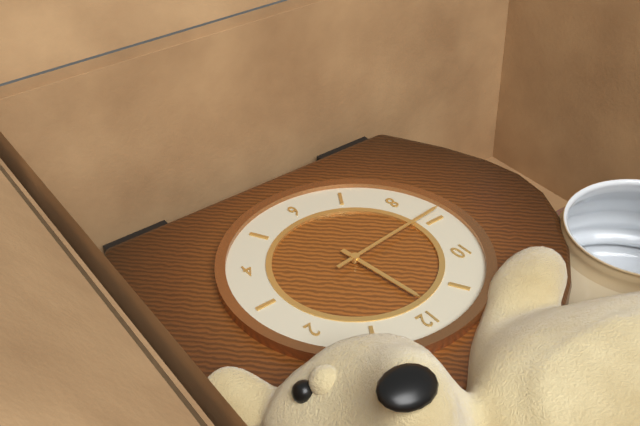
11:44
